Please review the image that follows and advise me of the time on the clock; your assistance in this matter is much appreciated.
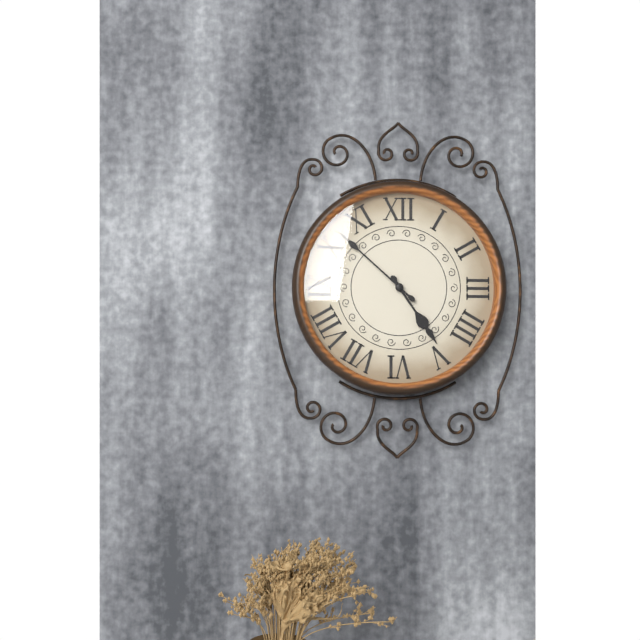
4:52
